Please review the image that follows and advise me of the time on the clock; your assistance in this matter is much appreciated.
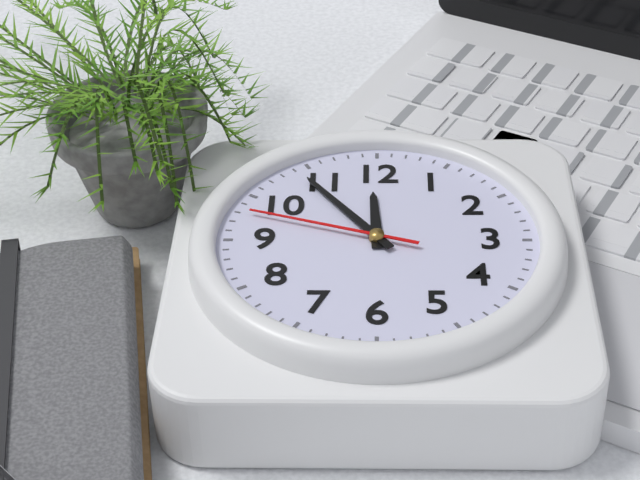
11:54:48
